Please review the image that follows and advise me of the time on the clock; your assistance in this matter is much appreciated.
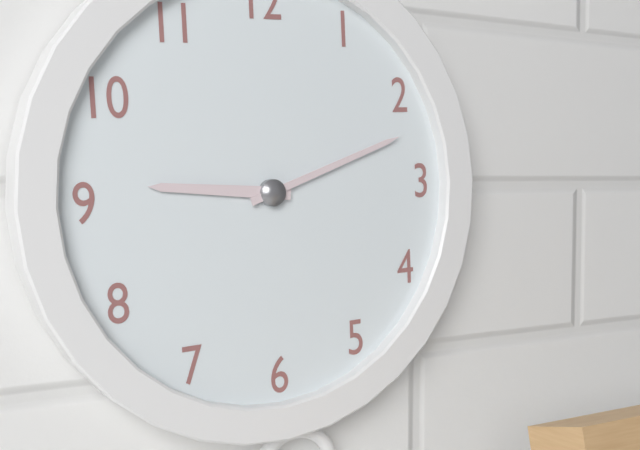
9:12
